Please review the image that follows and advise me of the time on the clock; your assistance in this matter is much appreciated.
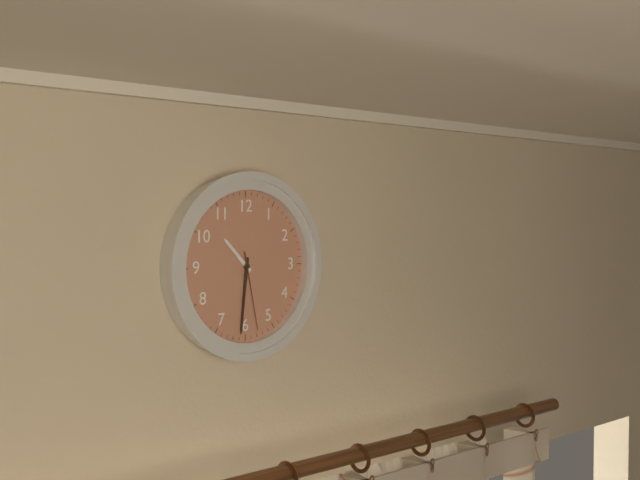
10:31:28
